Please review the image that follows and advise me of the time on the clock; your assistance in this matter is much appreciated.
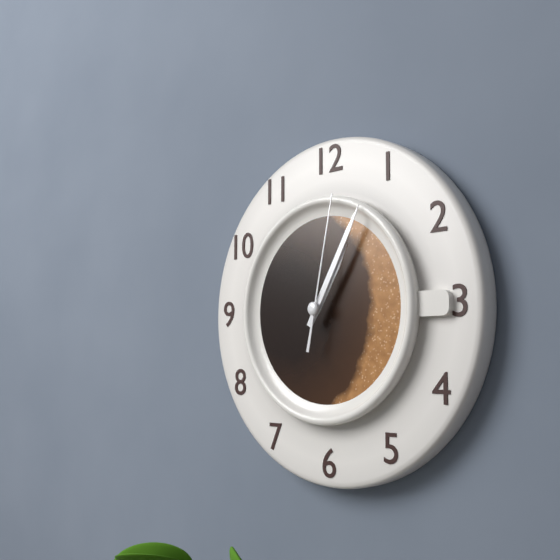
1:05:02
